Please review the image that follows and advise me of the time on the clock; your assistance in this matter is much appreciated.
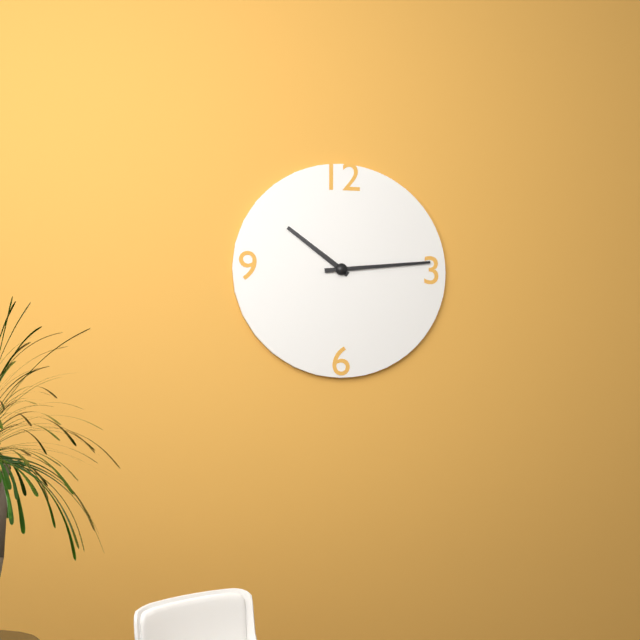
10:14
